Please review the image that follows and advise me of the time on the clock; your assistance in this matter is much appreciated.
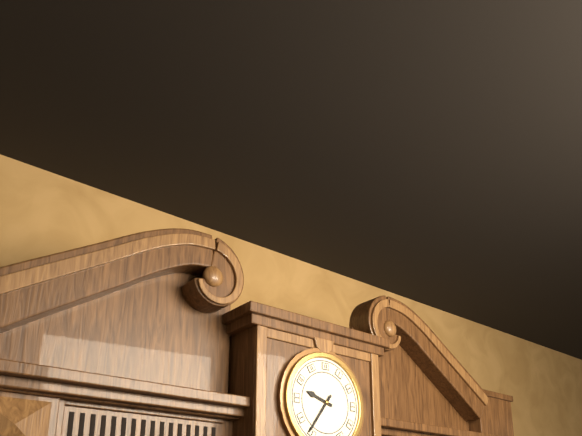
9:36
